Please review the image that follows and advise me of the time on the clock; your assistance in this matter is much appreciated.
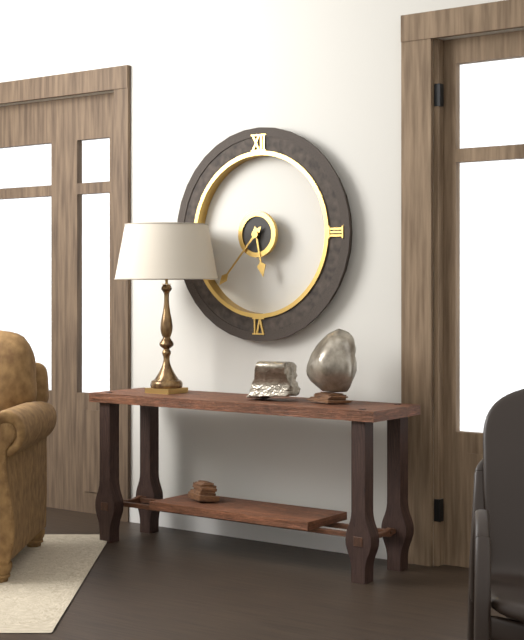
5:37
